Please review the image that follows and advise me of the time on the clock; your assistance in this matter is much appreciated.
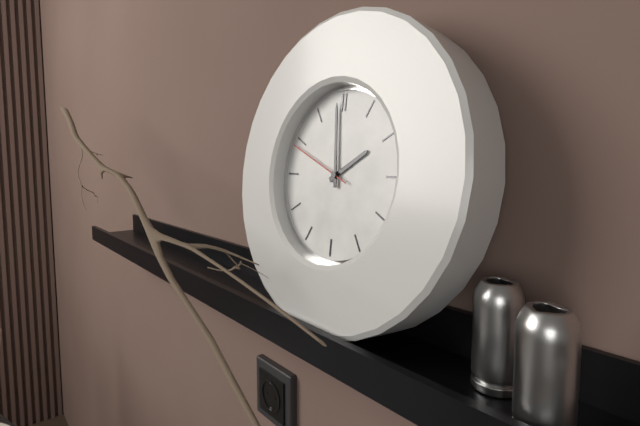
1:59:49
